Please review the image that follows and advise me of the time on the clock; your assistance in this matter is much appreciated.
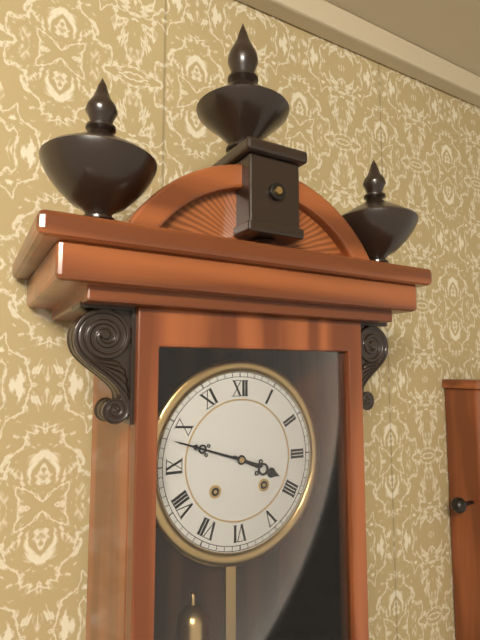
3:48
